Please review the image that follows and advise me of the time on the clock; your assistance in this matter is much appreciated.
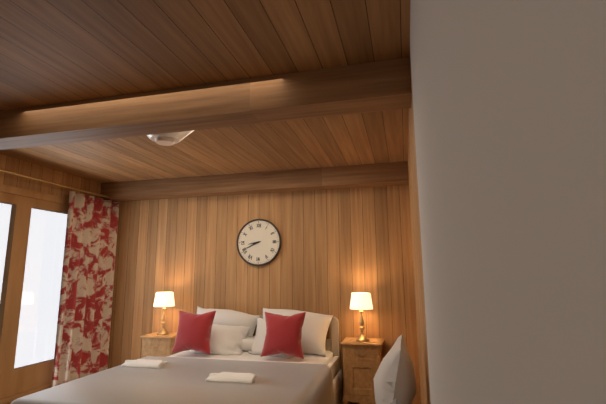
8:41
